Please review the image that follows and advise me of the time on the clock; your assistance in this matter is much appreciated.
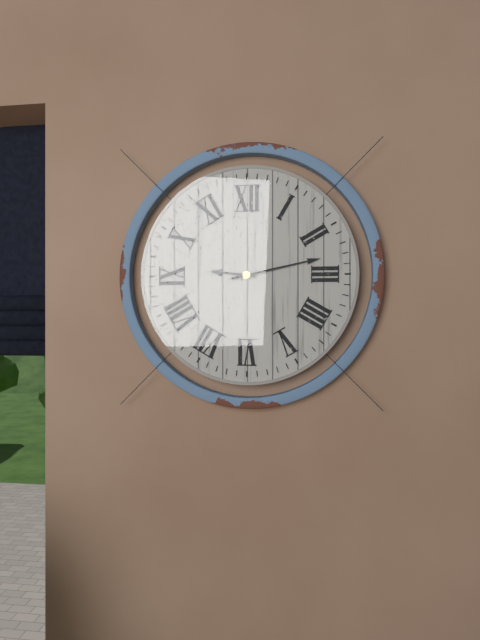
9:13
